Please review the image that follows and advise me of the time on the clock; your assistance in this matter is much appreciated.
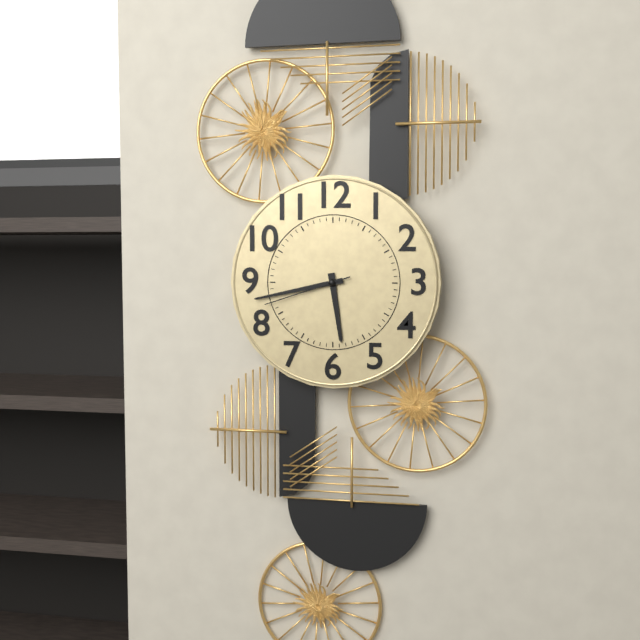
5:43:42
